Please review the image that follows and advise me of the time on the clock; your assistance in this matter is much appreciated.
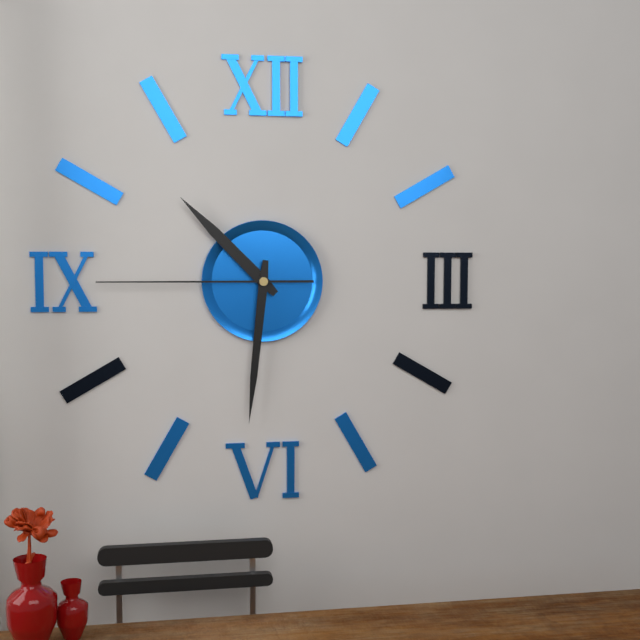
10:31:45
